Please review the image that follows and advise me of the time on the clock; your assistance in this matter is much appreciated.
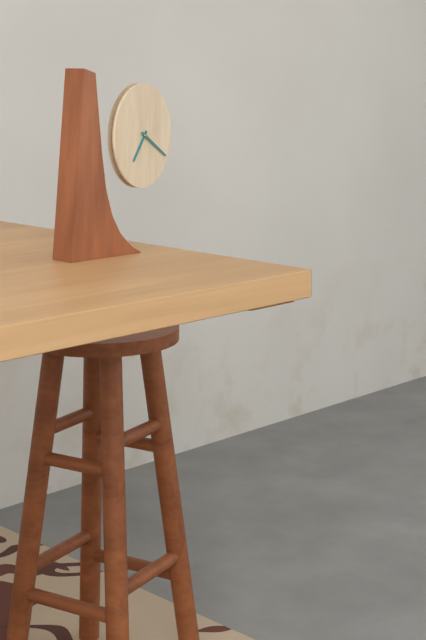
7:20
